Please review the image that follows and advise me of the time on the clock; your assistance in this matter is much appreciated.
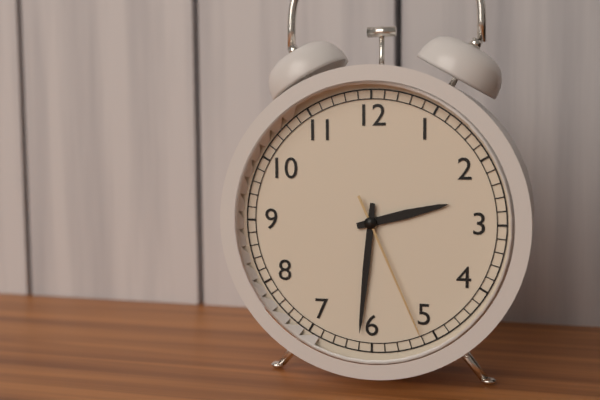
2:31:26
